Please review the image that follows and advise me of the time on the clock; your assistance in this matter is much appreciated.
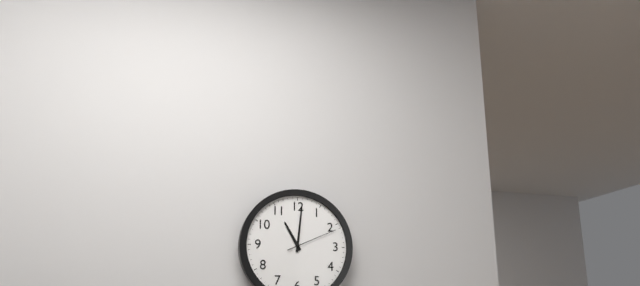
11:01:11
